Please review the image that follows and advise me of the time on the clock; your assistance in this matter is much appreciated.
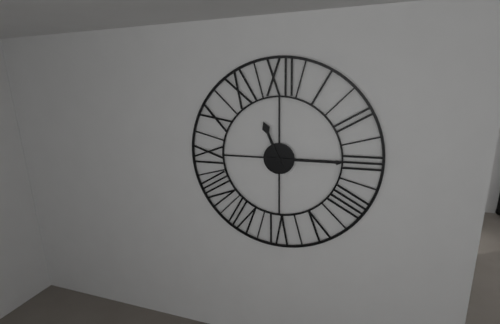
11:15
